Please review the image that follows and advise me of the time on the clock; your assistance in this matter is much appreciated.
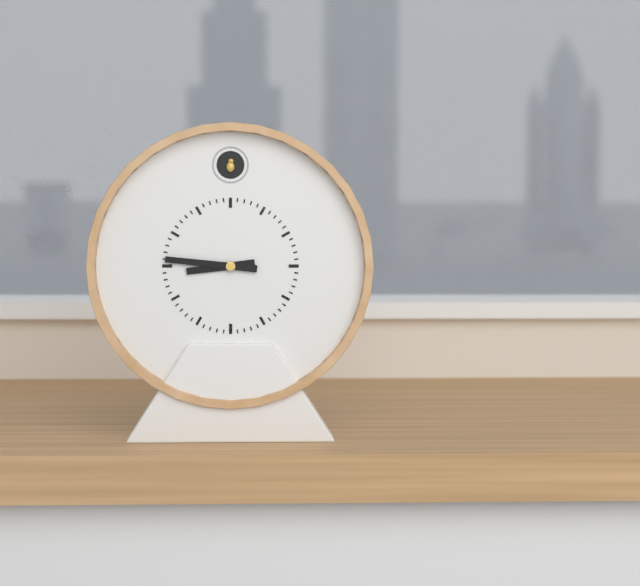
8:46
